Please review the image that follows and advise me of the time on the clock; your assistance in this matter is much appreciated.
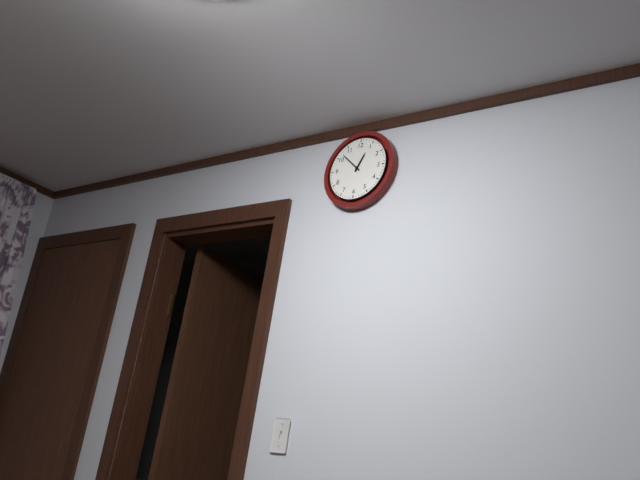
12:52
